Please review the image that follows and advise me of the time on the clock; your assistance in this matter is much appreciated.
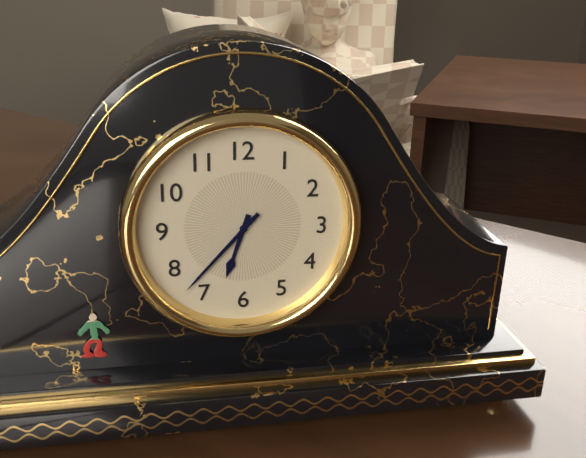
6:37
